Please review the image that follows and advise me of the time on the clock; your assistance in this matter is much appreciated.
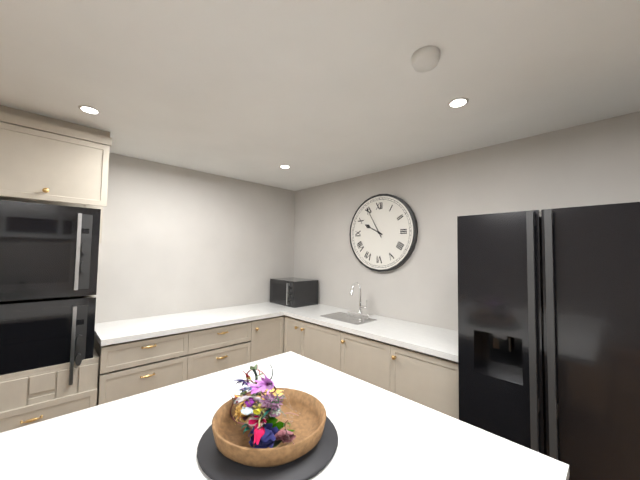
9:55
